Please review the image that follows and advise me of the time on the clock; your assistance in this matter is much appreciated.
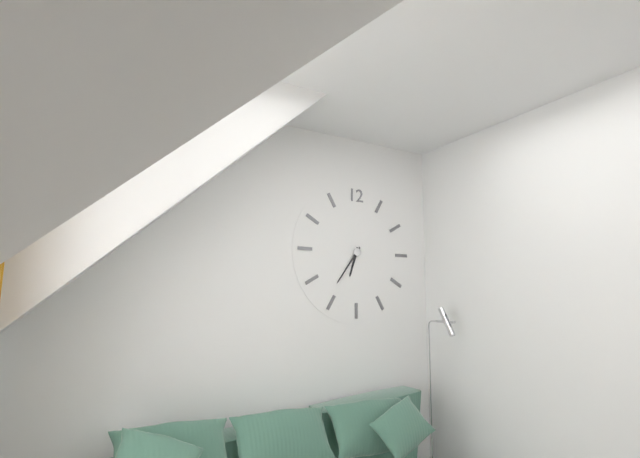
6:36
